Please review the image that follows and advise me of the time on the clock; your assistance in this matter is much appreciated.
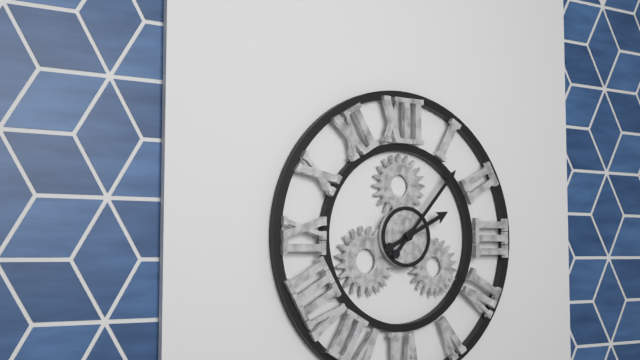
2:07
